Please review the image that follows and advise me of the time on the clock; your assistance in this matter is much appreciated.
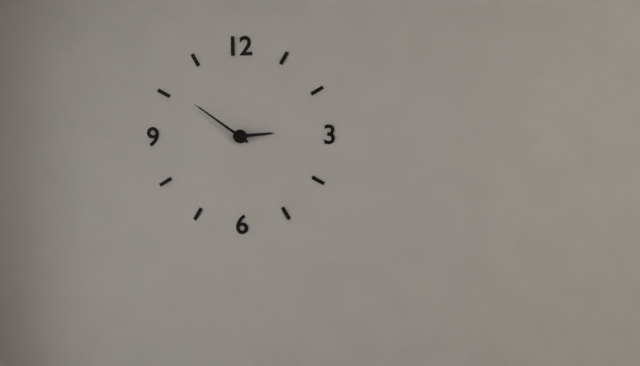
2:51
